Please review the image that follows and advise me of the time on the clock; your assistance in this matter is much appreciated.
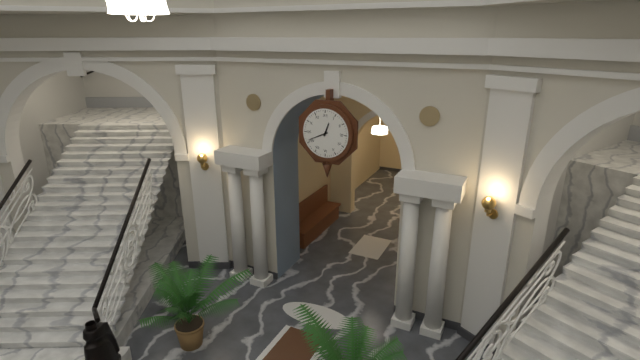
12:41
